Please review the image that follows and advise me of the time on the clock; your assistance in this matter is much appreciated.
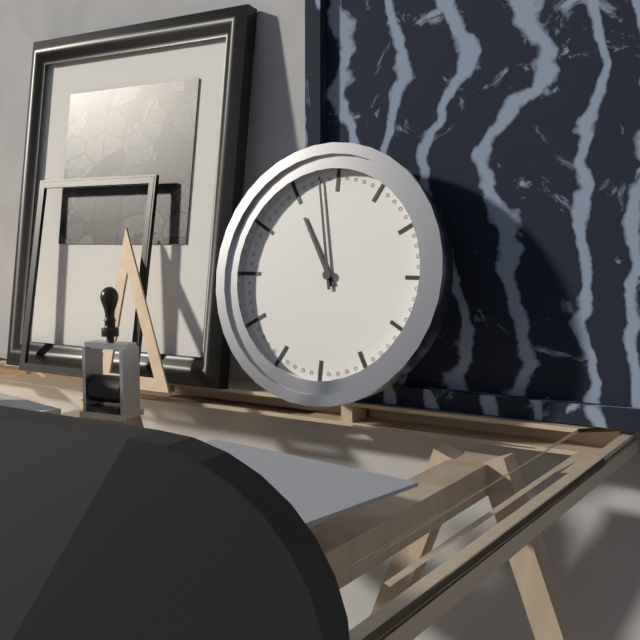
10:58
